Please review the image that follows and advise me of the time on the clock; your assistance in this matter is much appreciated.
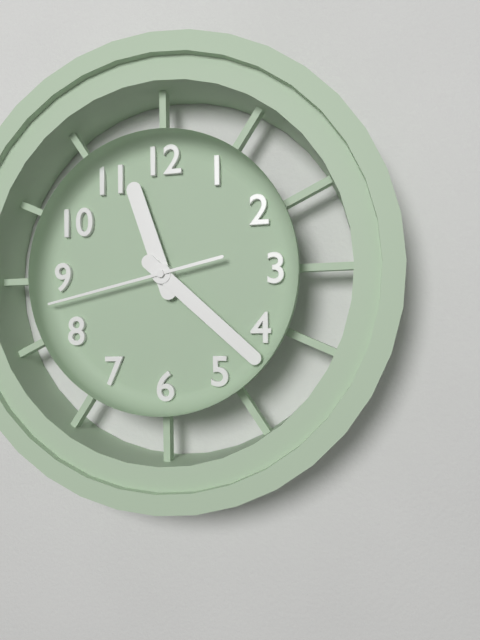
11:22:43
